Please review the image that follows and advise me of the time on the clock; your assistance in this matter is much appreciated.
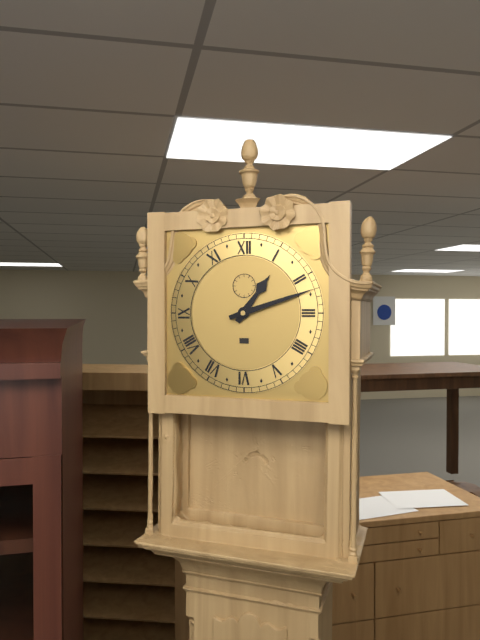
1:12
